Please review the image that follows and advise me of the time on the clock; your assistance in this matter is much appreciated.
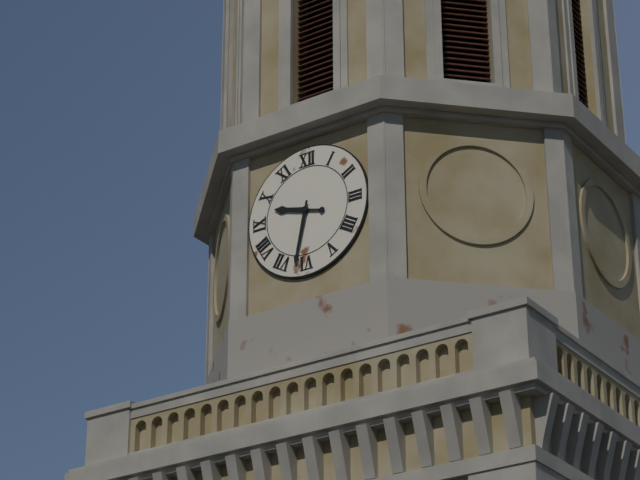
9:32
